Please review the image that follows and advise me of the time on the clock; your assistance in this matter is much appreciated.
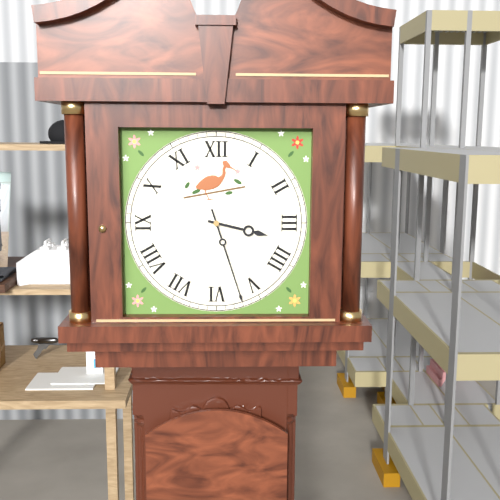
3:27
